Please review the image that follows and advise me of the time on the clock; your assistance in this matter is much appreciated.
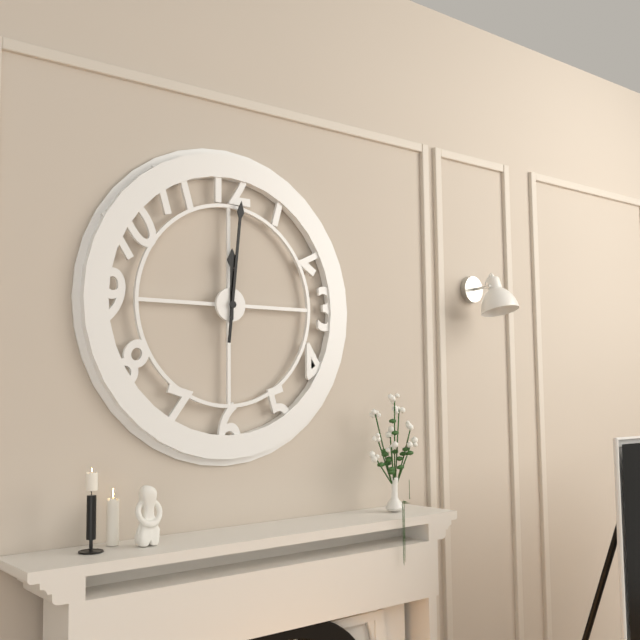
12:01
